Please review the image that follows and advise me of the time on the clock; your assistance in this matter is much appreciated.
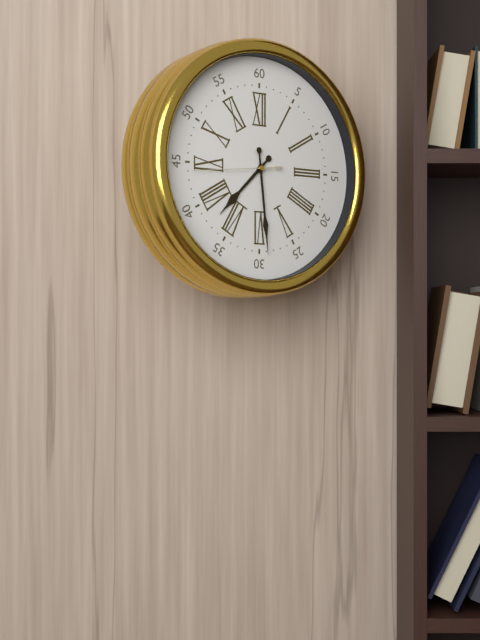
7:29:44
